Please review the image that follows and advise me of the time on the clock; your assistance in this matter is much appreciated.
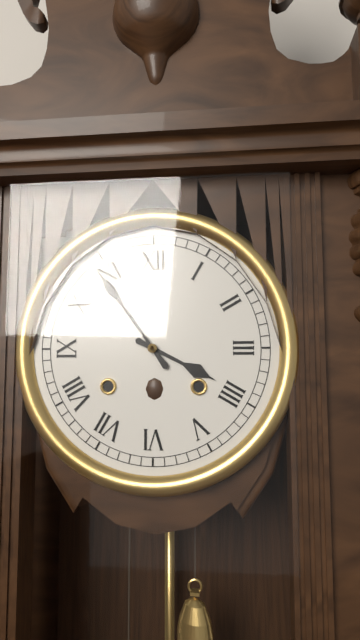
3:54
